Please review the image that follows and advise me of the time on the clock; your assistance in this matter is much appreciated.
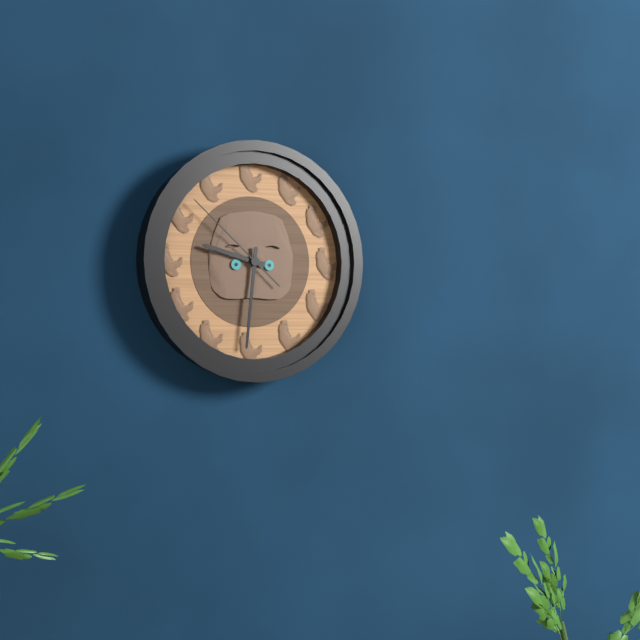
9:31:52
